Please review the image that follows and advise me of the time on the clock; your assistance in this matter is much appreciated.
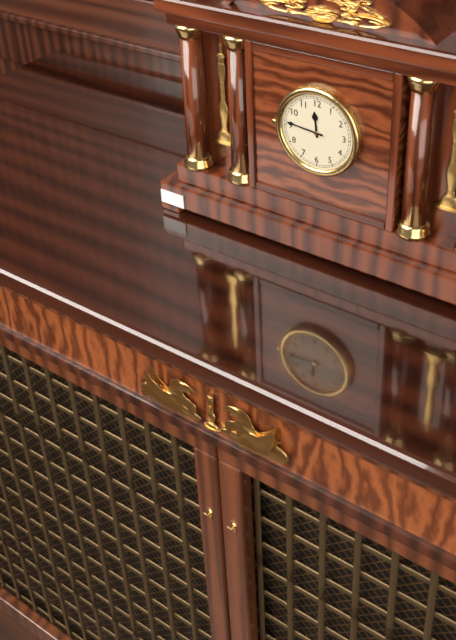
11:46
